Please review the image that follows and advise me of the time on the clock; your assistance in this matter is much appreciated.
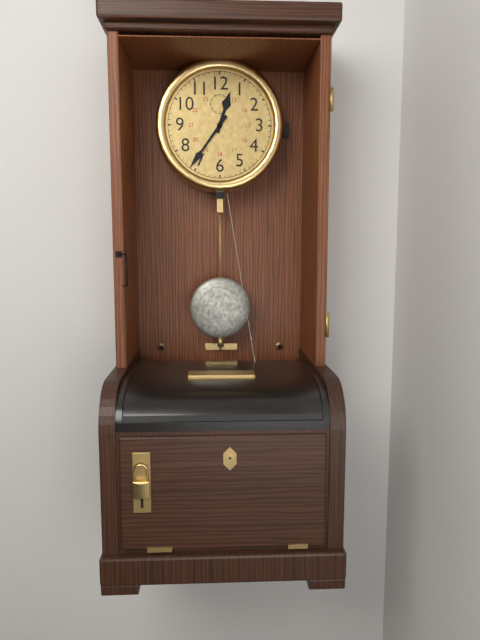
12:36
